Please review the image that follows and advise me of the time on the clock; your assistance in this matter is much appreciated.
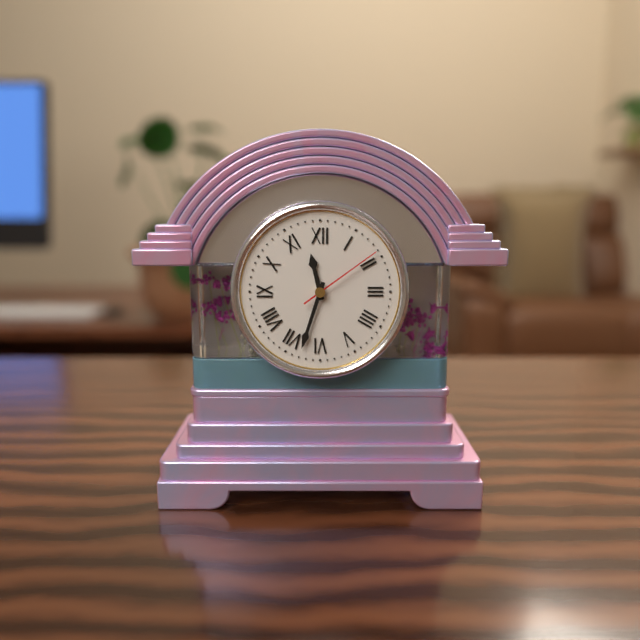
11:33:09
